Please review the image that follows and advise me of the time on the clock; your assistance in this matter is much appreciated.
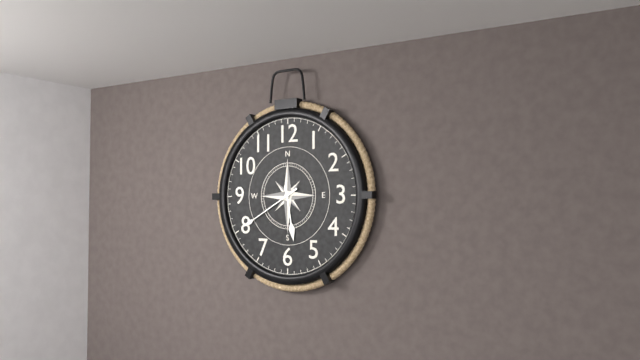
5:40
